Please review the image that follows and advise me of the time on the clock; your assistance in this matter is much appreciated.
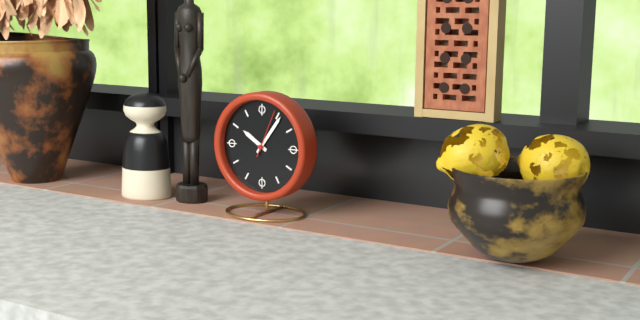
10:06
